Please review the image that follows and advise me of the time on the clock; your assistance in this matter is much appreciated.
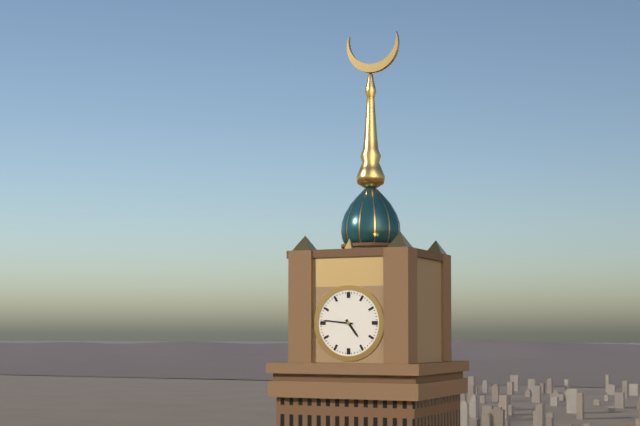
4:46
